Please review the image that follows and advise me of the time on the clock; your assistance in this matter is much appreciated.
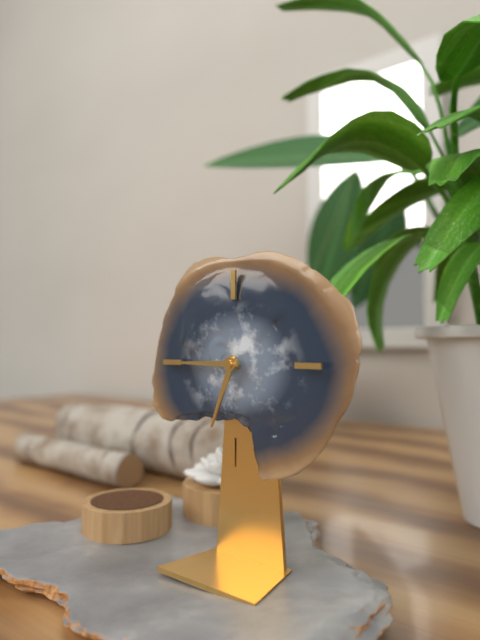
6:45
